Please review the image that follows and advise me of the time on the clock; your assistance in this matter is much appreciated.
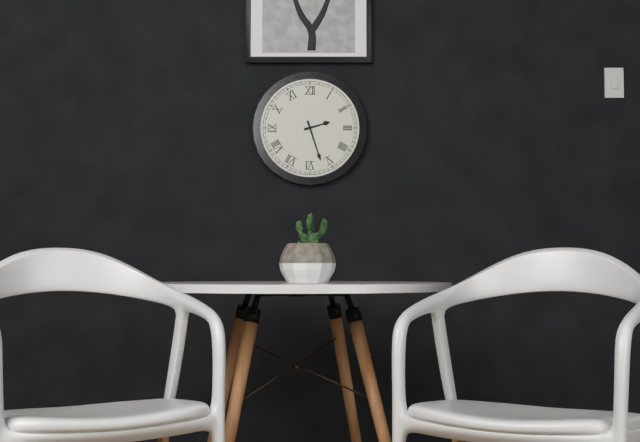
2:27
